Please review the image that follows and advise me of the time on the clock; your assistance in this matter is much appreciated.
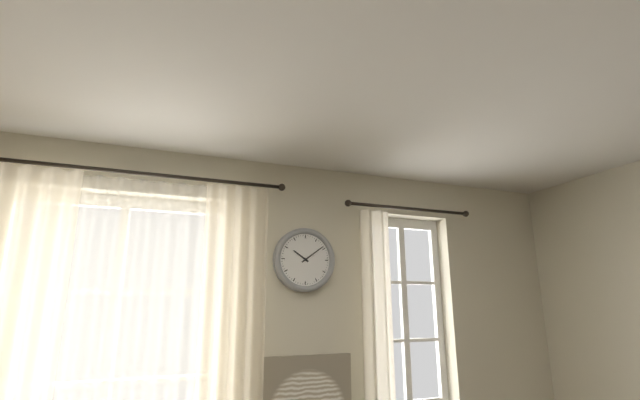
10:09
